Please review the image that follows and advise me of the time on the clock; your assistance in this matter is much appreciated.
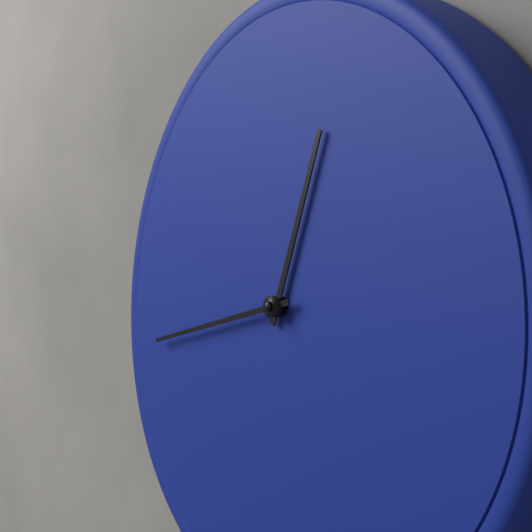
12:43
